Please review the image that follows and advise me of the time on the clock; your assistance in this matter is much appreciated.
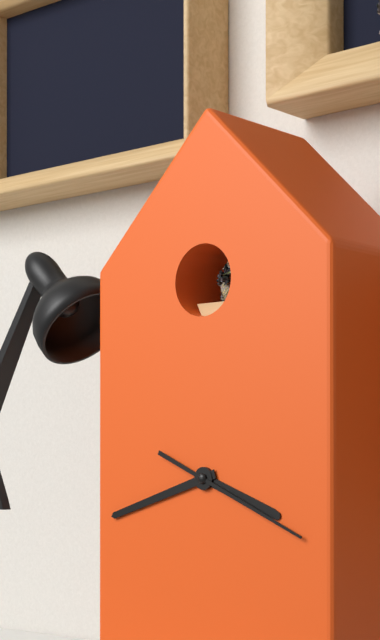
3:42:19
